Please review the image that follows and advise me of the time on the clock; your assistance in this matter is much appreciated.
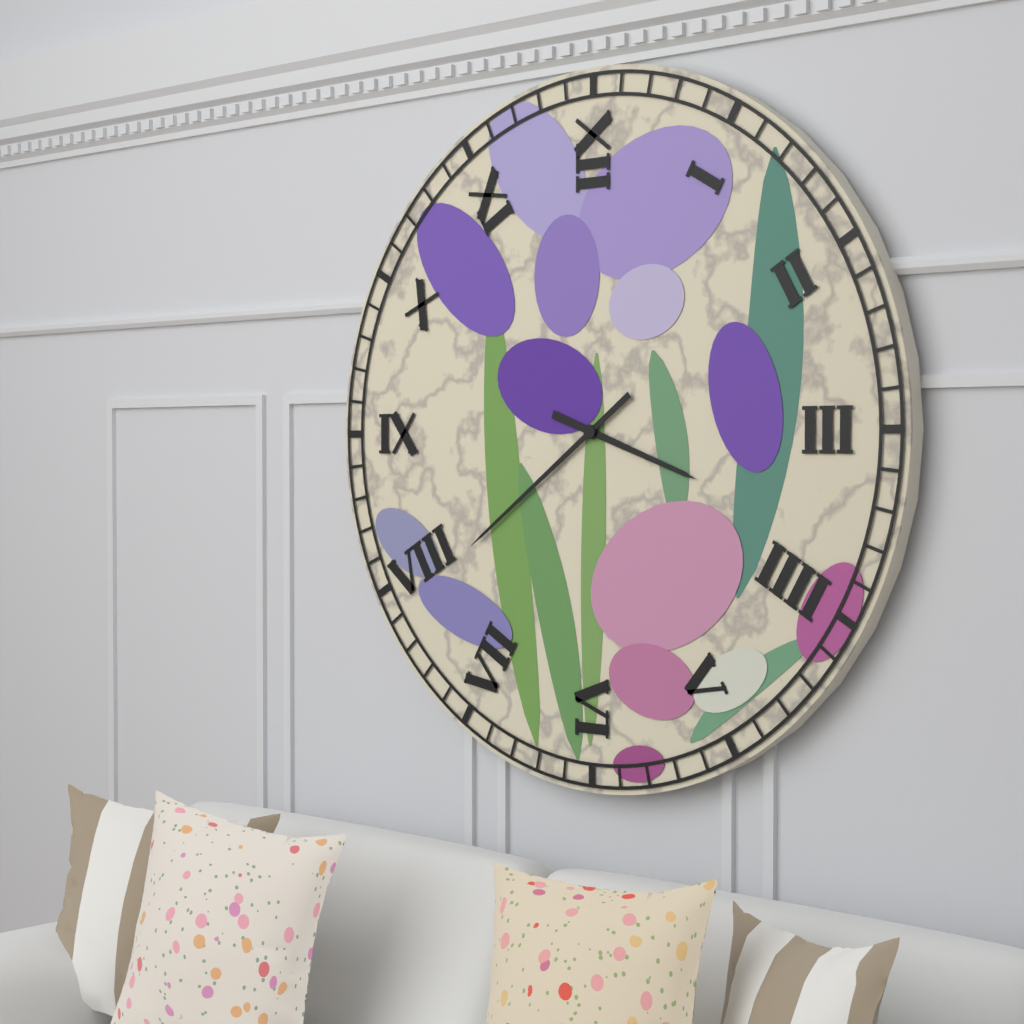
3:39
